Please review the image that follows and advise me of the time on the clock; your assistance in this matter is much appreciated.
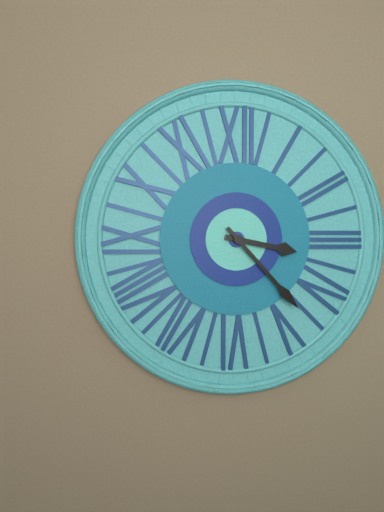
3:23
